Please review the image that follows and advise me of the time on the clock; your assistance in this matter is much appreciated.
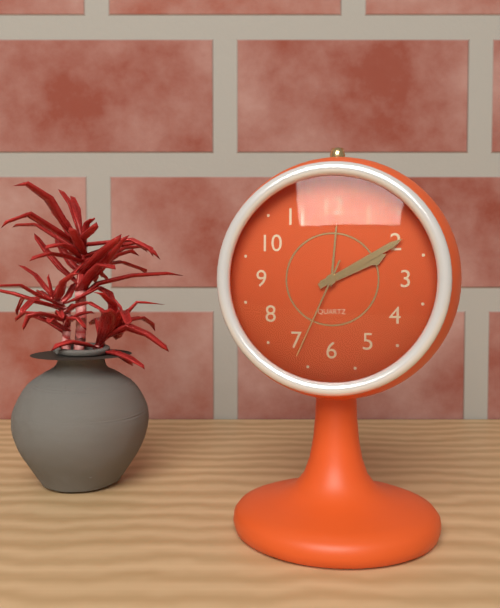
2:10:34
